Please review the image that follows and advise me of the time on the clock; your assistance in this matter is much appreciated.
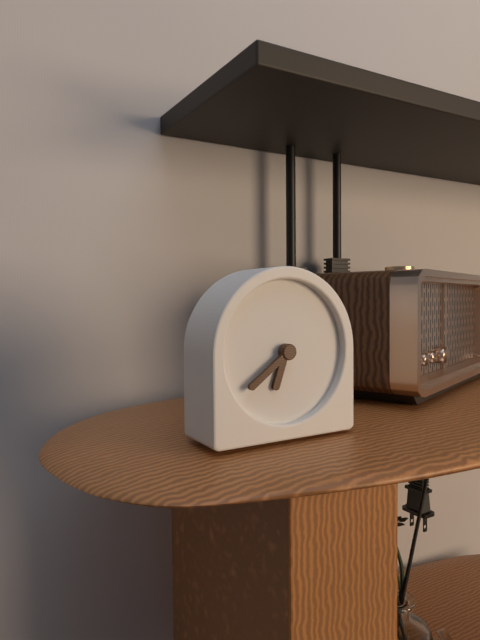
6:39
